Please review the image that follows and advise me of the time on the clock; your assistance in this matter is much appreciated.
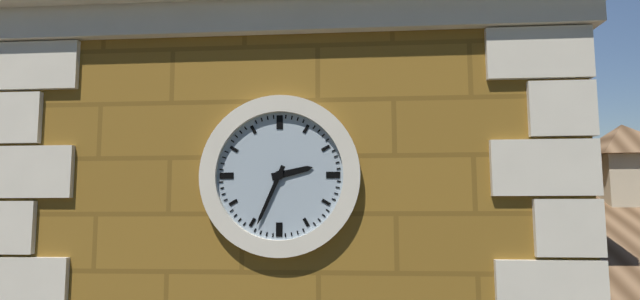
2:34
